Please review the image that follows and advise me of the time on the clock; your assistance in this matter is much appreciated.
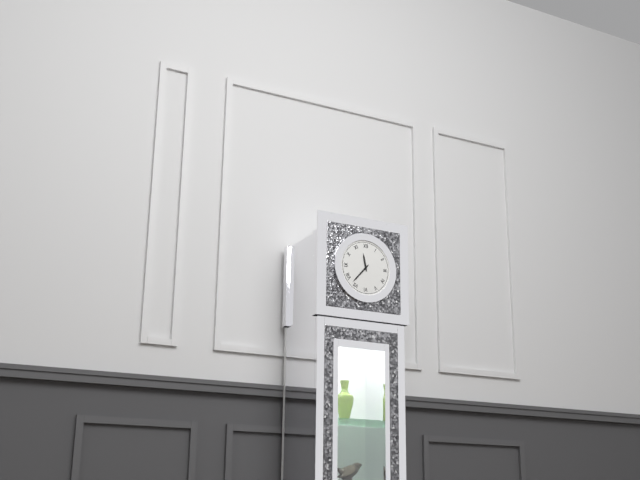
11:37
